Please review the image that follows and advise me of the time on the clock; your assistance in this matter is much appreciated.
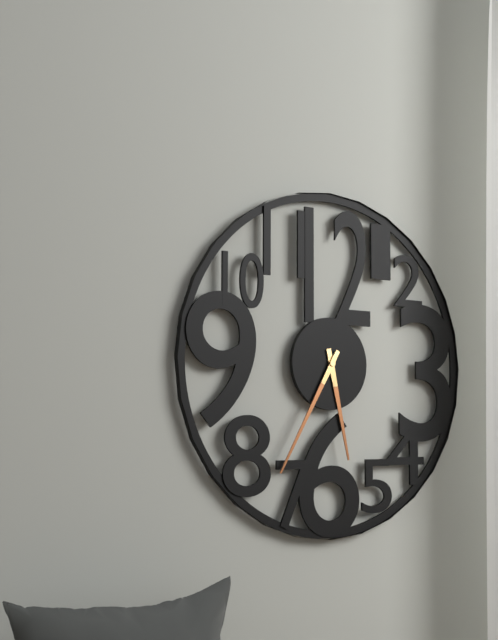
5:35
